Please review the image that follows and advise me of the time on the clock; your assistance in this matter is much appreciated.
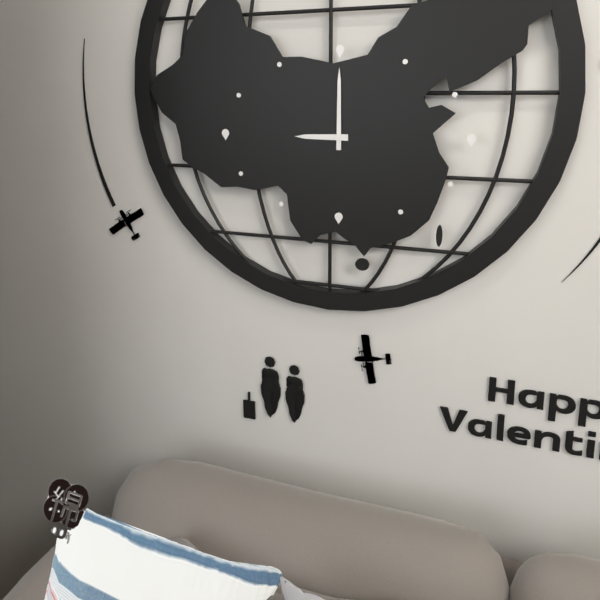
9:00
